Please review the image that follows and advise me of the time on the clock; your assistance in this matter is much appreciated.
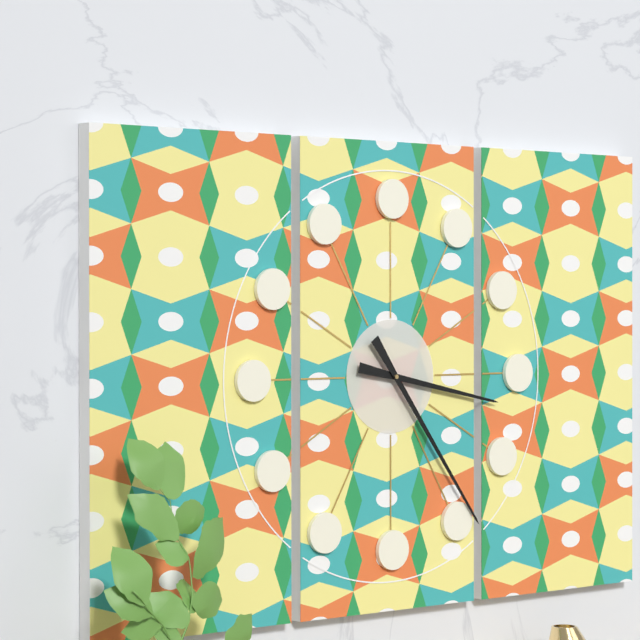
3:24
